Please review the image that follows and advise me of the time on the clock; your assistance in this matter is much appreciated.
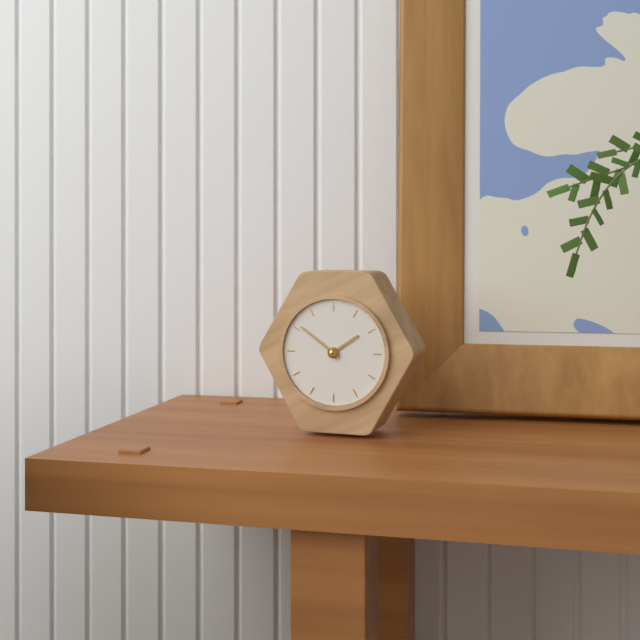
1:51
